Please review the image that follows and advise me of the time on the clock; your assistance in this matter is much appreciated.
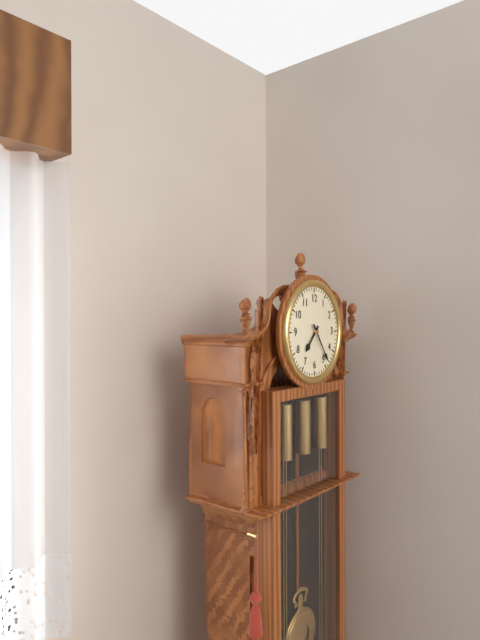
7:24
